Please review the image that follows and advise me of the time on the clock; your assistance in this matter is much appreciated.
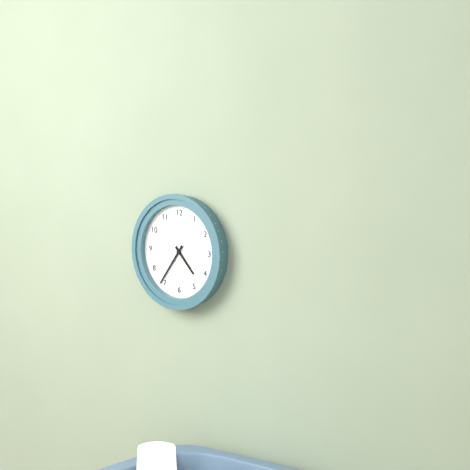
4:36
